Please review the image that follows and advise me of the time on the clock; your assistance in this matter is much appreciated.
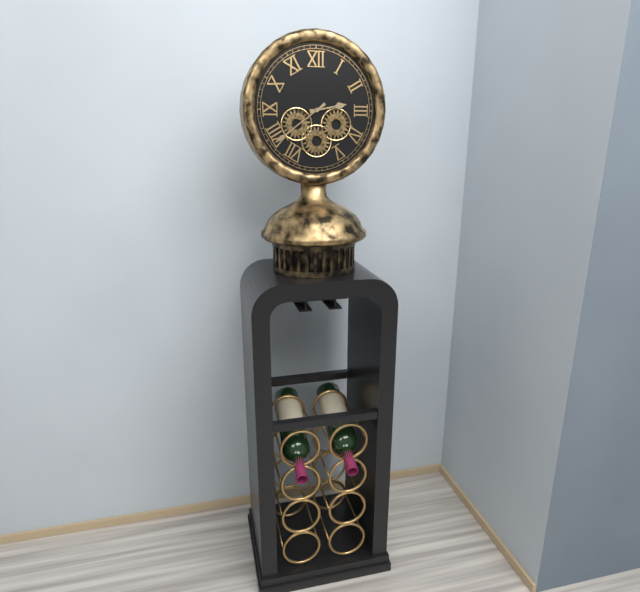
2:39
